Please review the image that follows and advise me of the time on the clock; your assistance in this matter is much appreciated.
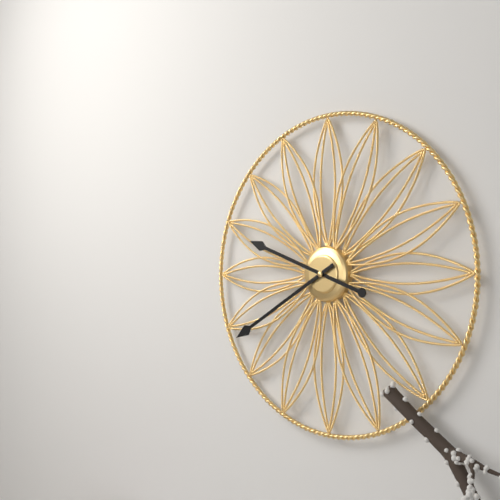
9:40
